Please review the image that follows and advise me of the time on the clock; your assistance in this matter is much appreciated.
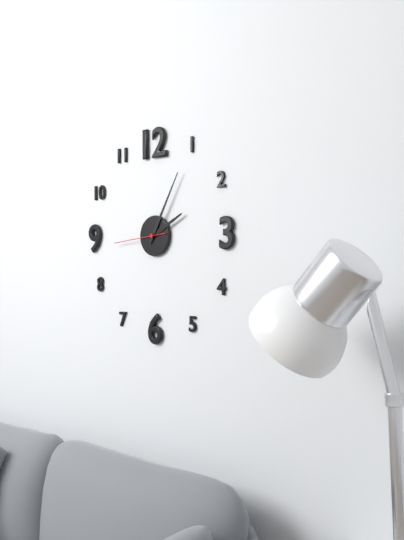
2:05
